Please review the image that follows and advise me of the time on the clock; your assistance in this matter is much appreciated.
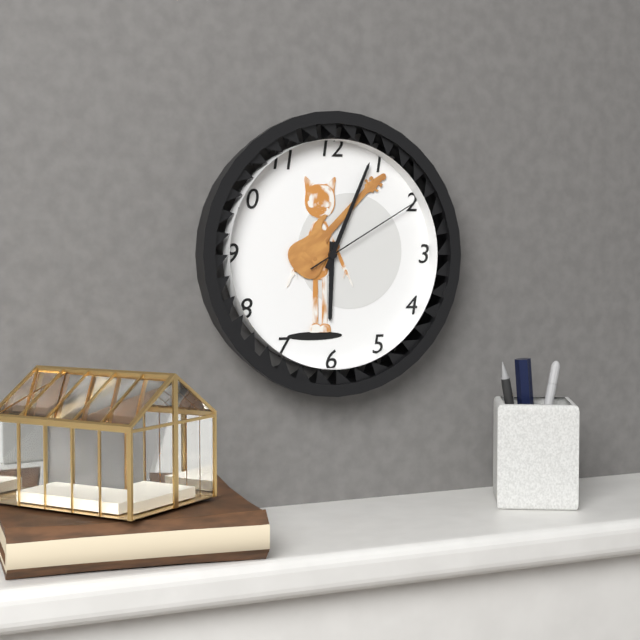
6:04:10
